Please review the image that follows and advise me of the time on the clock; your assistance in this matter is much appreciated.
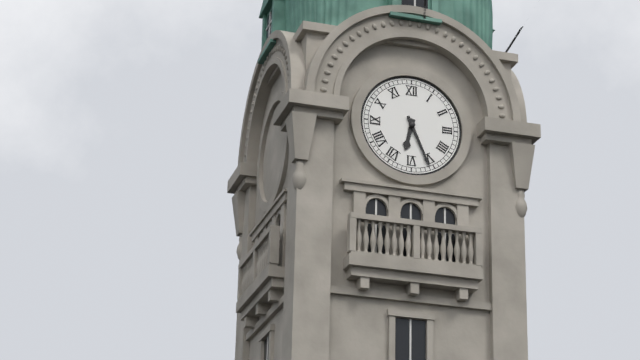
6:26
